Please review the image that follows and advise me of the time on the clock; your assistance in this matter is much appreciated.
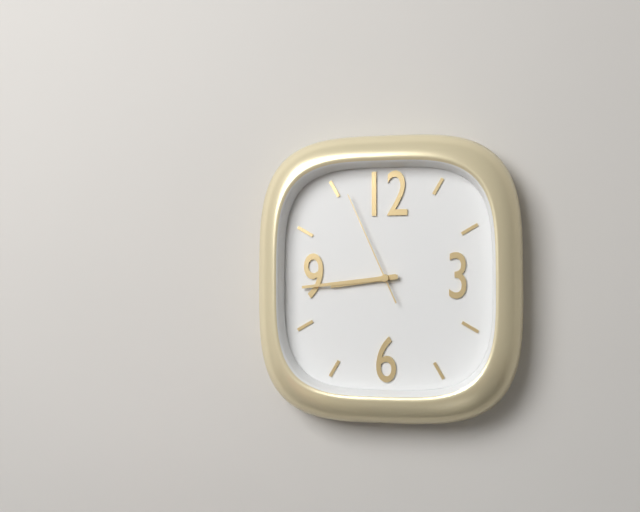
8:44:56
